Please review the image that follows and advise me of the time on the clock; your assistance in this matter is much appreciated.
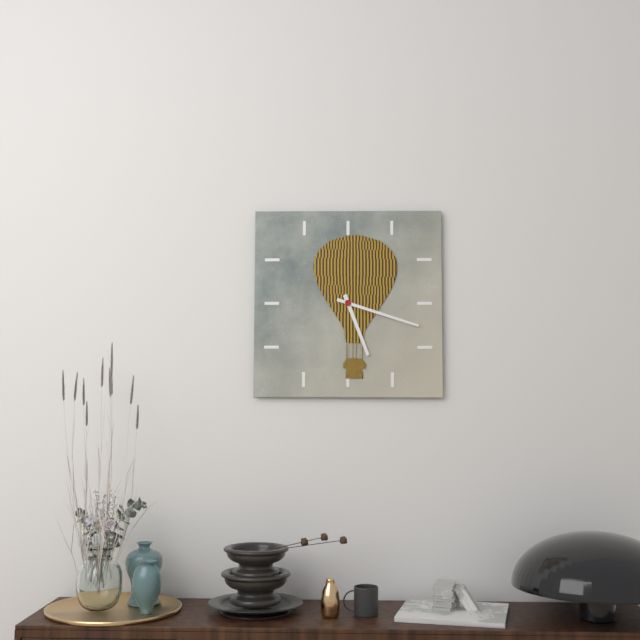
5:18
